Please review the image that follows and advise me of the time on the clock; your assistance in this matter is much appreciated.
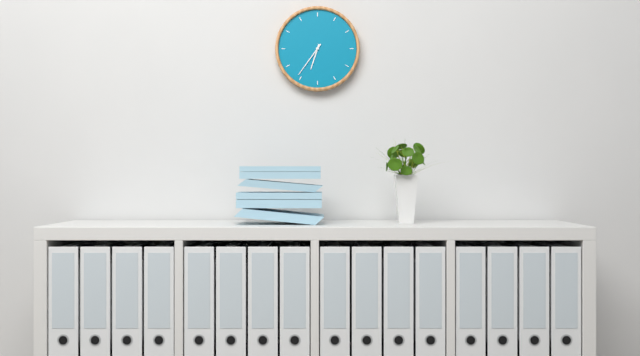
6:36
